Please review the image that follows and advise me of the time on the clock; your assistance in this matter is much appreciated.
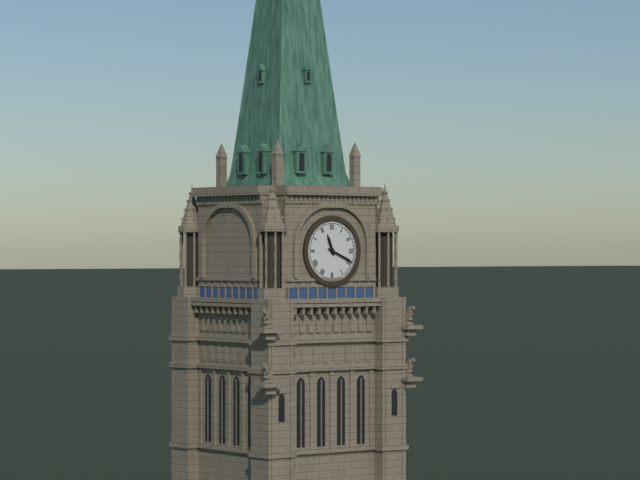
11:19
